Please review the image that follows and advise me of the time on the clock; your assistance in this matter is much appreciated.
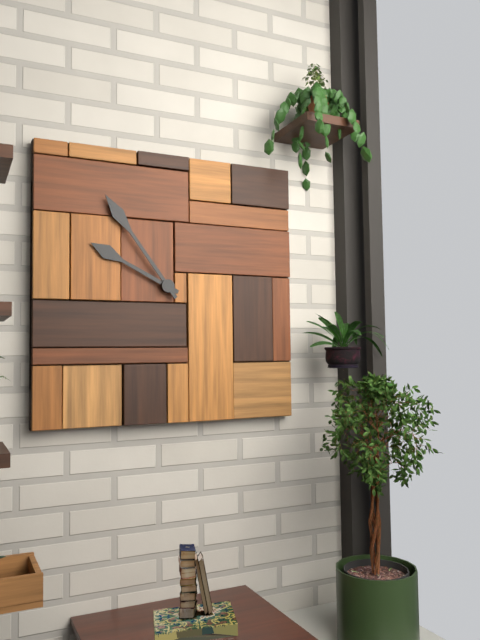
9:54
